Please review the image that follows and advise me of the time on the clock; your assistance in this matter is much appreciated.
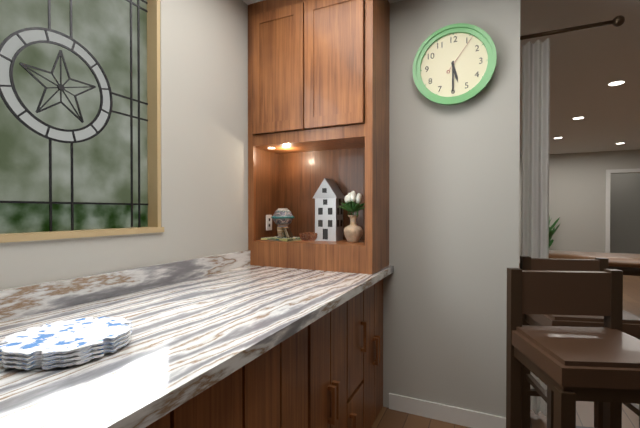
5:30
